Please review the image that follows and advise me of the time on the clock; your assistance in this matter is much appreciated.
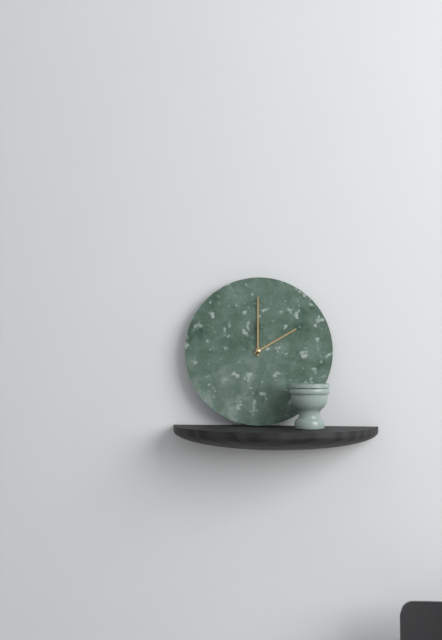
2:00
